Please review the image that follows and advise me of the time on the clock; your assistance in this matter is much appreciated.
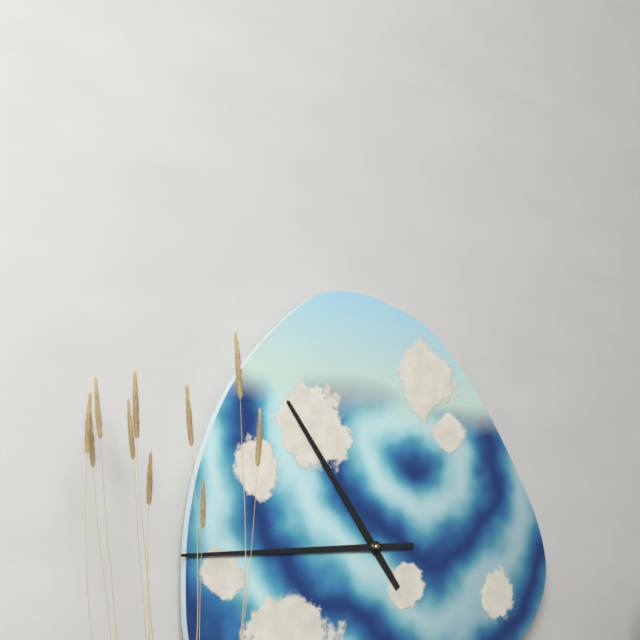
10:44
